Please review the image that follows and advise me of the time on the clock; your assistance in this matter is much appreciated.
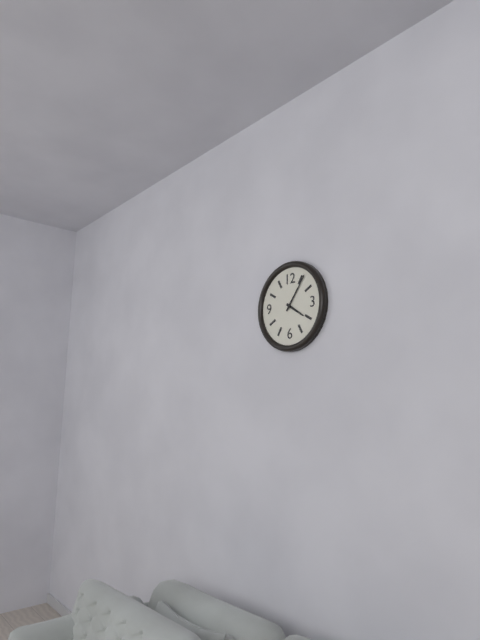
4:06
